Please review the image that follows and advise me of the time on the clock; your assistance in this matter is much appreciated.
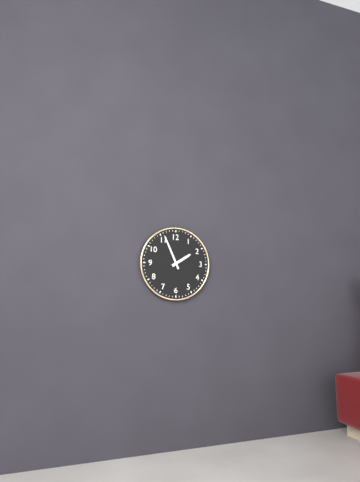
1:56
